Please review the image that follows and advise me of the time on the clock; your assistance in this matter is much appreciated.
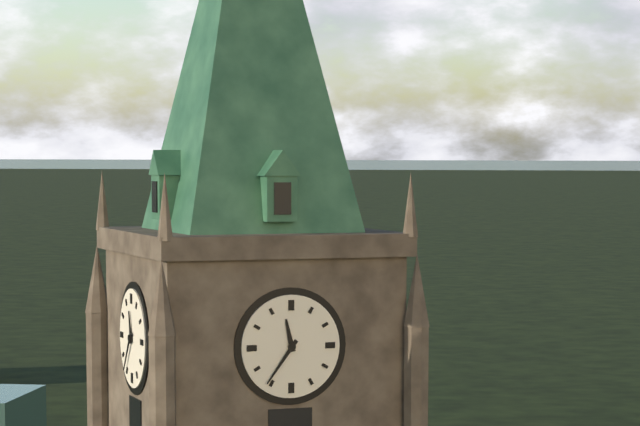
11:36
